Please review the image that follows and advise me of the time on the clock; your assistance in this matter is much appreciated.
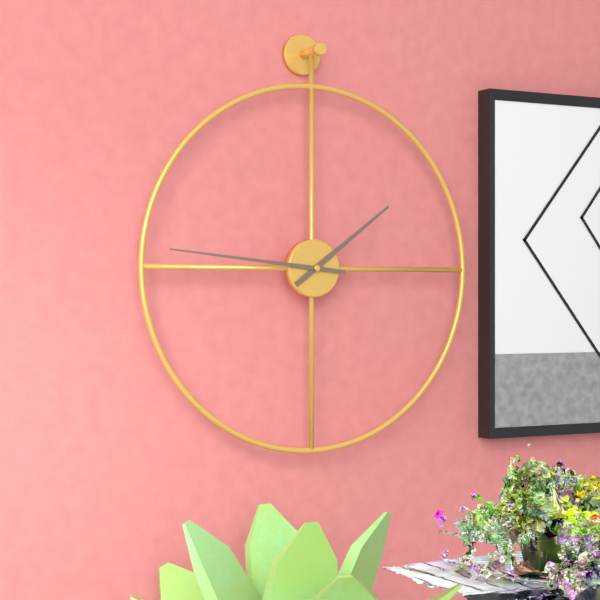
1:46
